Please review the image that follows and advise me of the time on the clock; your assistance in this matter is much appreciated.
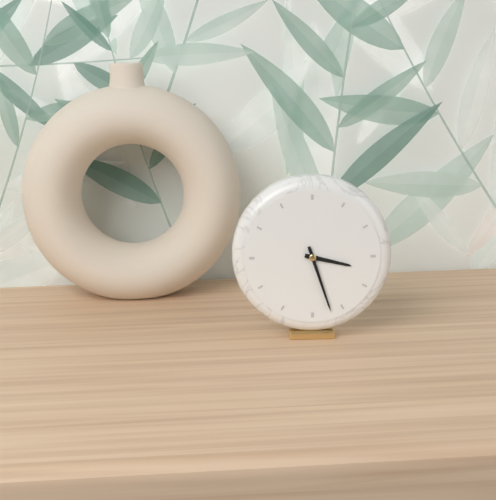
3:27
